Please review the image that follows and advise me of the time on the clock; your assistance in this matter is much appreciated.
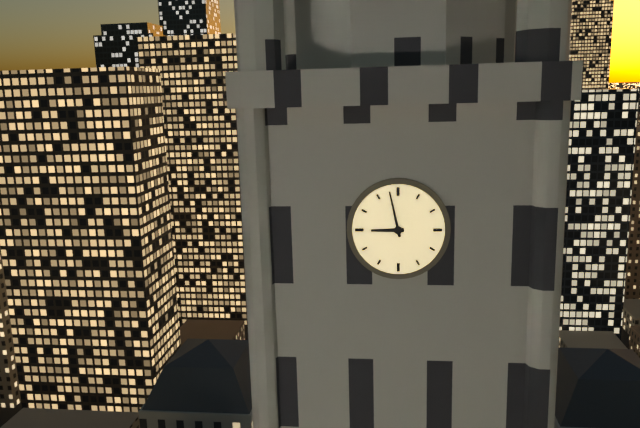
8:58
